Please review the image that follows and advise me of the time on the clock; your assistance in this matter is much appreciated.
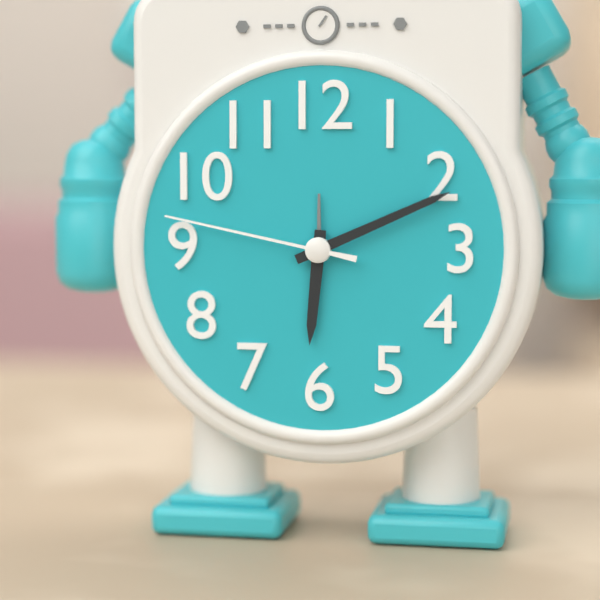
6:11:47
